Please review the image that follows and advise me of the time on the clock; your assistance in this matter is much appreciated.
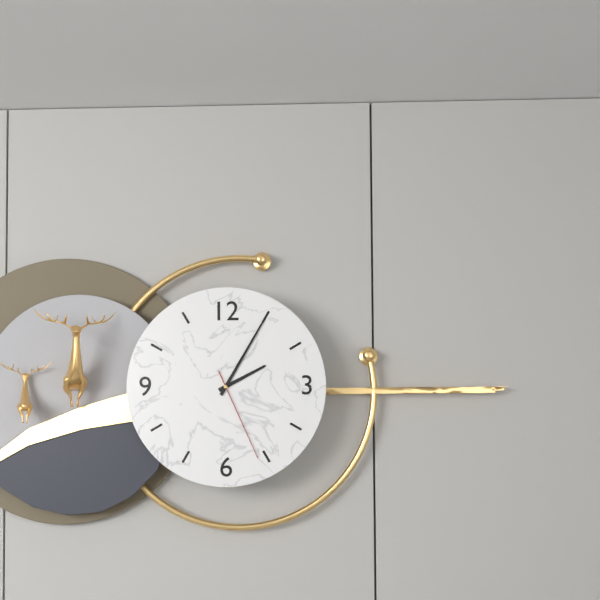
2:05:26
